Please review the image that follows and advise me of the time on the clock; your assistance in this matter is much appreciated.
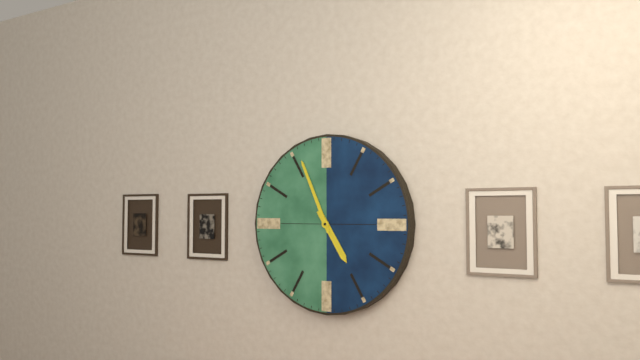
4:56
